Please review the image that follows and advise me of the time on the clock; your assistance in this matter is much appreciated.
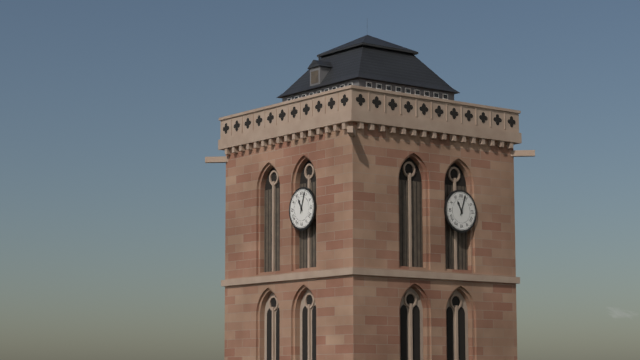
11:03
